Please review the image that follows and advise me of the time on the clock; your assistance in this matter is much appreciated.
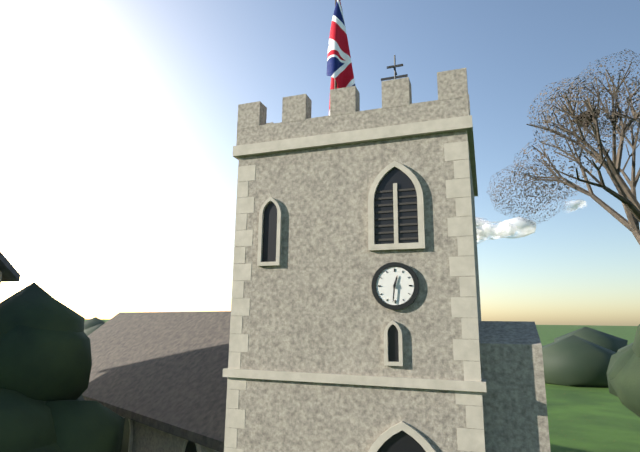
12:31
